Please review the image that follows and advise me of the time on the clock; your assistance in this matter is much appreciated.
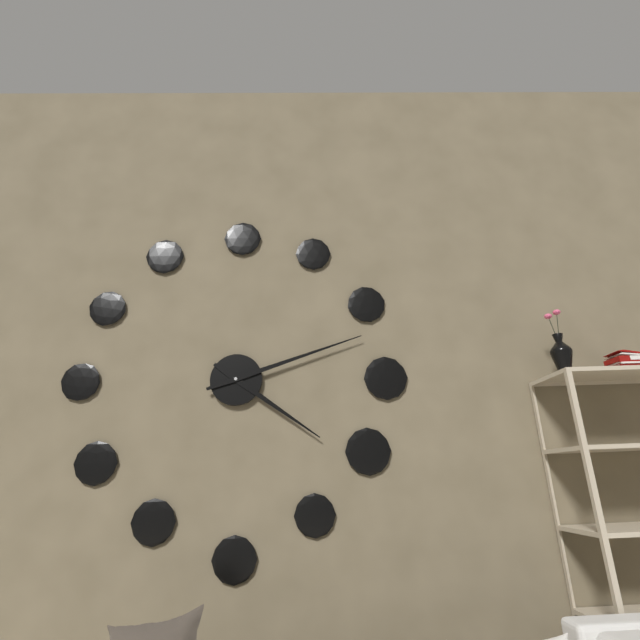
4:12
